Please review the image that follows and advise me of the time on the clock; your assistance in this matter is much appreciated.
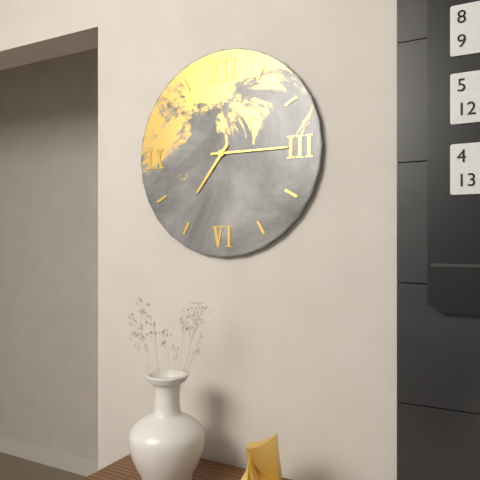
7:15
